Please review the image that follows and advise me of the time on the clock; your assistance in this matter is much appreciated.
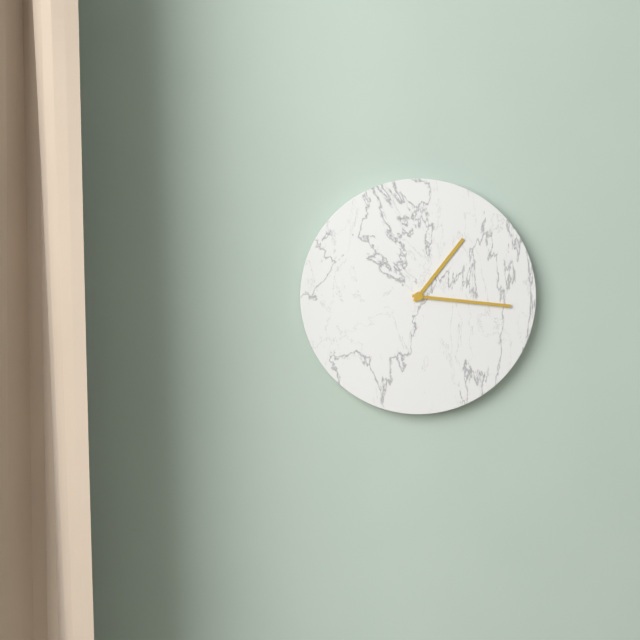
1:16
